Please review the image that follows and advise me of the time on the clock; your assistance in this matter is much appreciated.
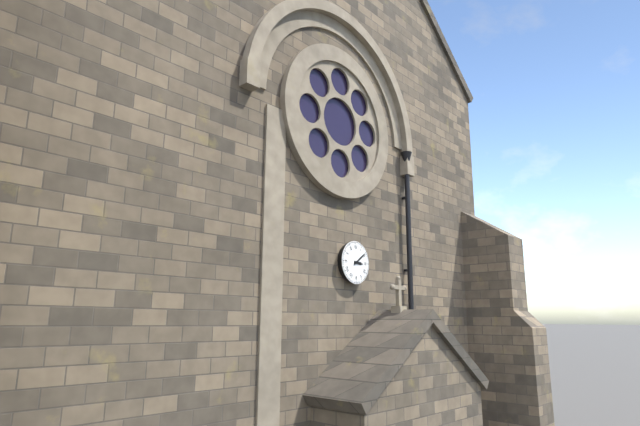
3:09
